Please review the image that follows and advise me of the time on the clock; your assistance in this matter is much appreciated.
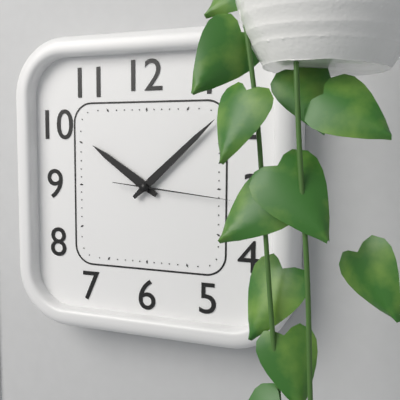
10:08:16
